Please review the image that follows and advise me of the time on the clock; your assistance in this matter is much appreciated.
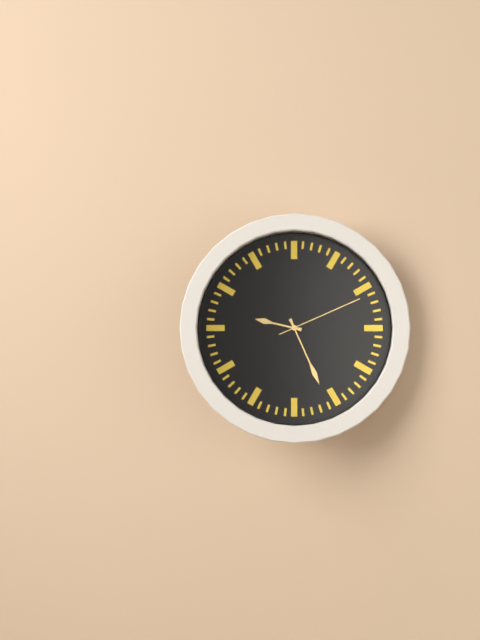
9:26:11
